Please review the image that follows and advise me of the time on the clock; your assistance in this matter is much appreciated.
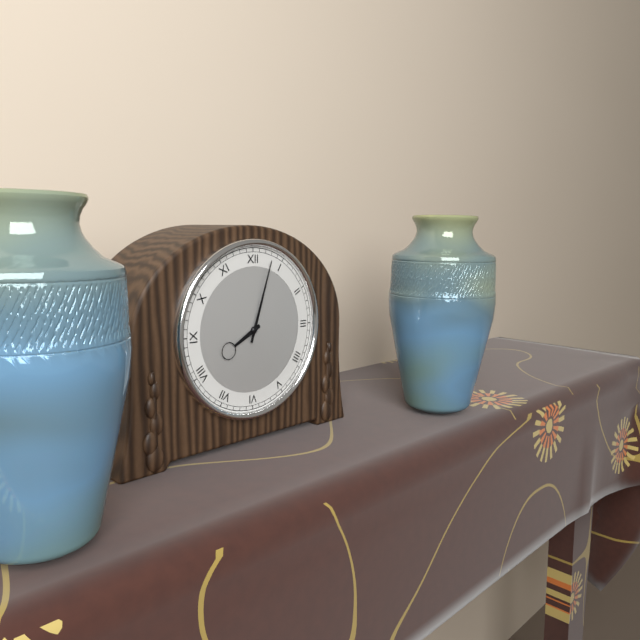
8:03
